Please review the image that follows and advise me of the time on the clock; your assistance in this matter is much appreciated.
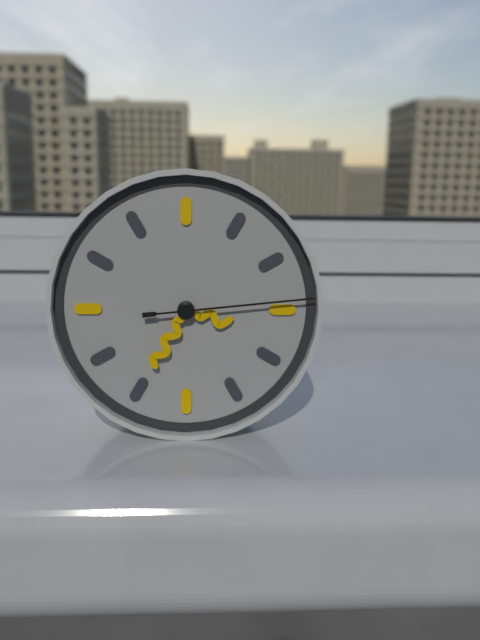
3:35:14
